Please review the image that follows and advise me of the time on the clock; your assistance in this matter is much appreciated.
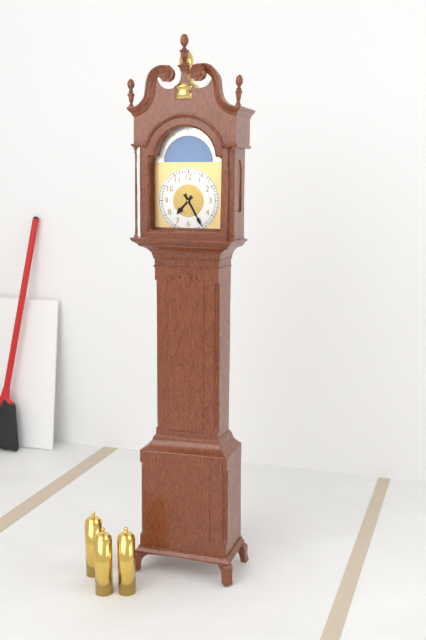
7:25
